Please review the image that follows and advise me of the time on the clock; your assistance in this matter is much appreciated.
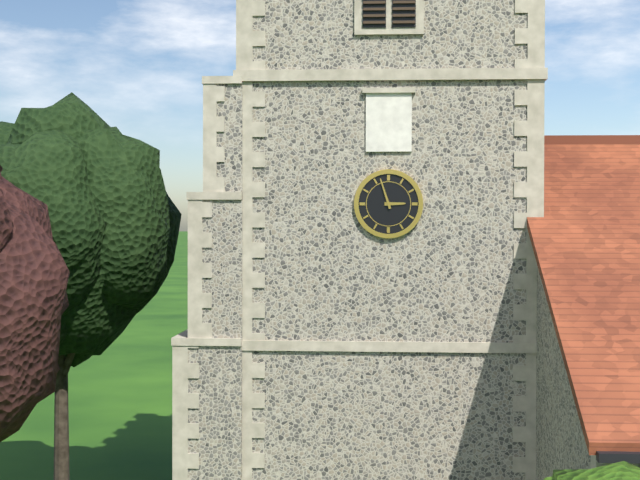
2:57
